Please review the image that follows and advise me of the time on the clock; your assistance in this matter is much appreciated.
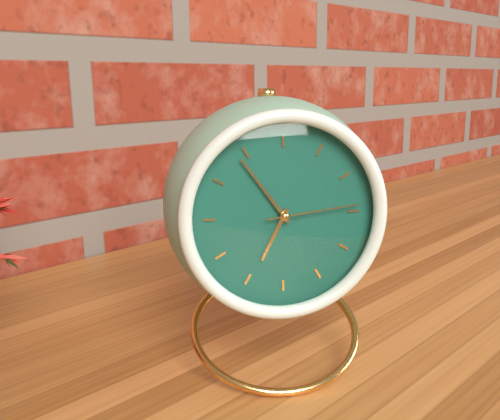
6:54:14
